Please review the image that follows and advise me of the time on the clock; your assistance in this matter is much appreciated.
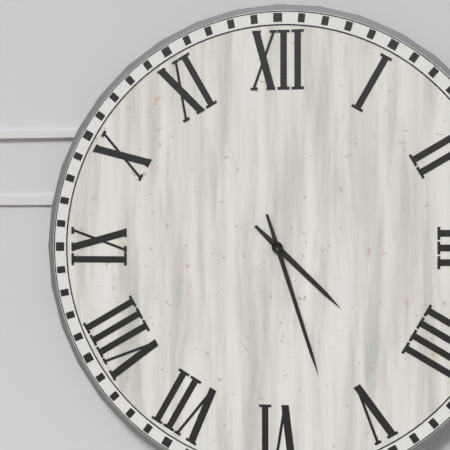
4:27
